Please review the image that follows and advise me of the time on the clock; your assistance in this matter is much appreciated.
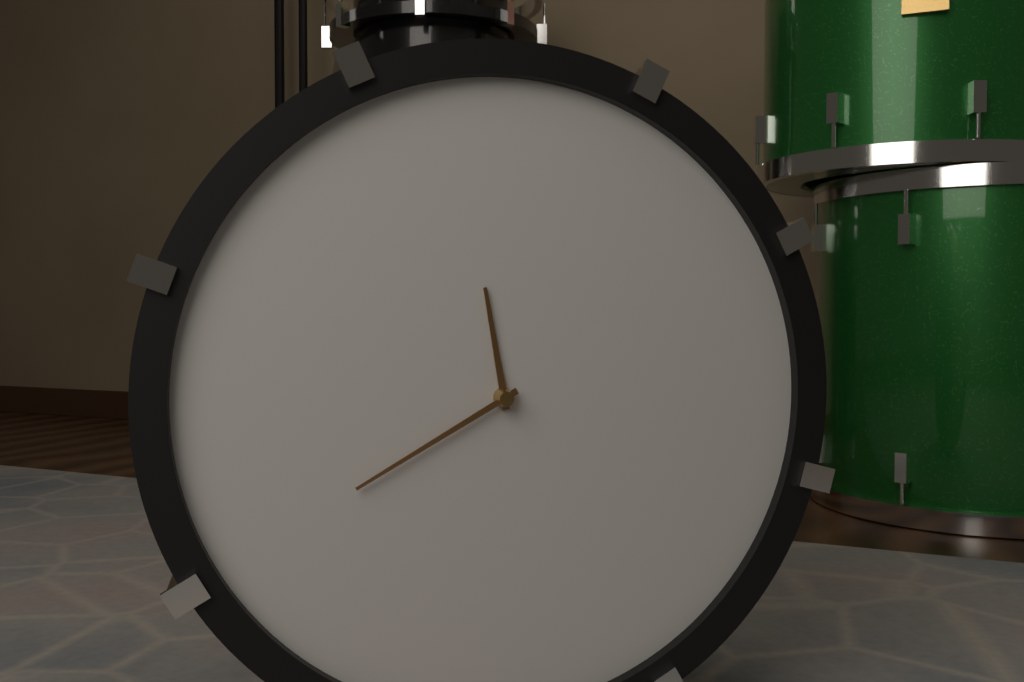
11:40
